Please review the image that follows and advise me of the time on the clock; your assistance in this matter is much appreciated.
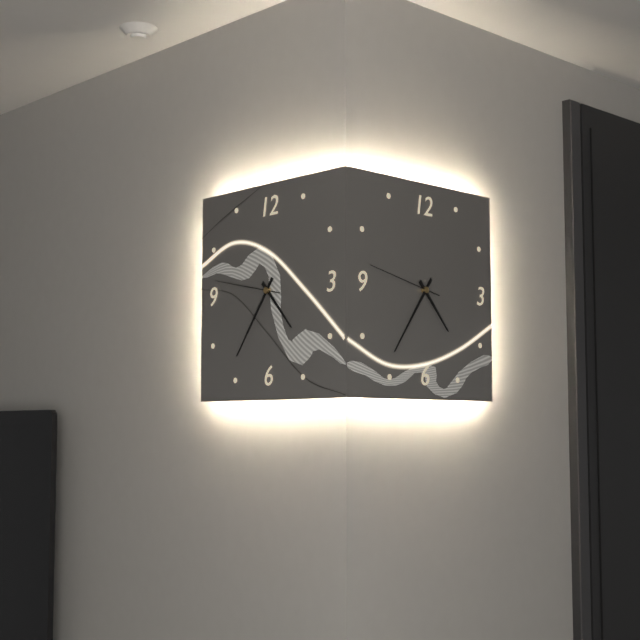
4:36:47
